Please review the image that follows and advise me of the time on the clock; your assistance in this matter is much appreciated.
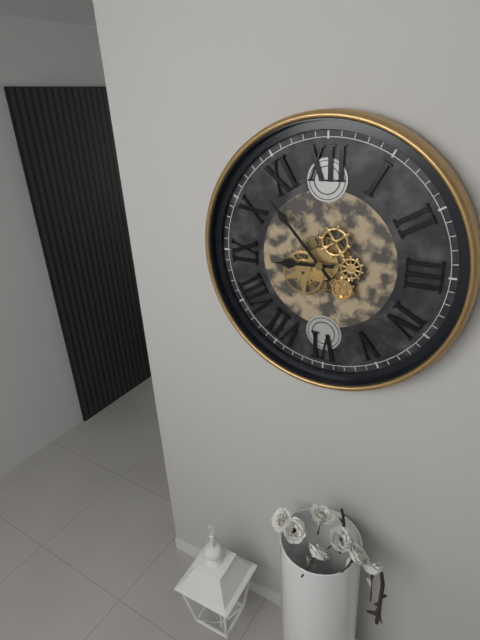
8:53
